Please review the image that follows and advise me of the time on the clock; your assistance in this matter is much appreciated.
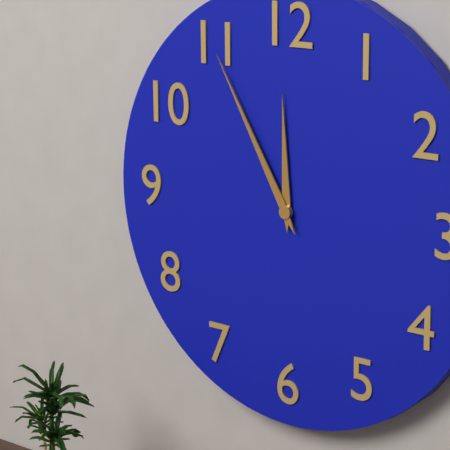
11:55
